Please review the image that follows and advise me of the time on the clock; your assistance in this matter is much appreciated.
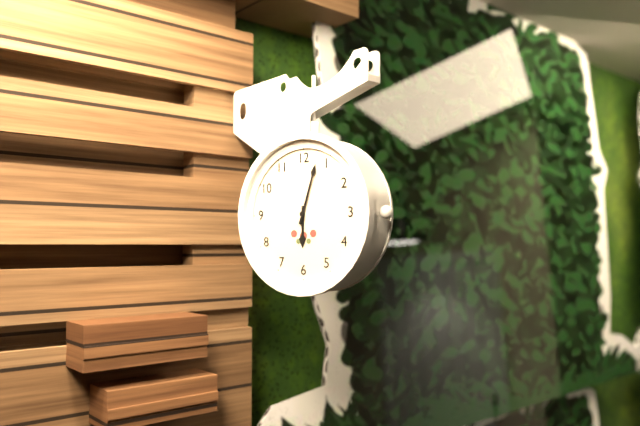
6:03
